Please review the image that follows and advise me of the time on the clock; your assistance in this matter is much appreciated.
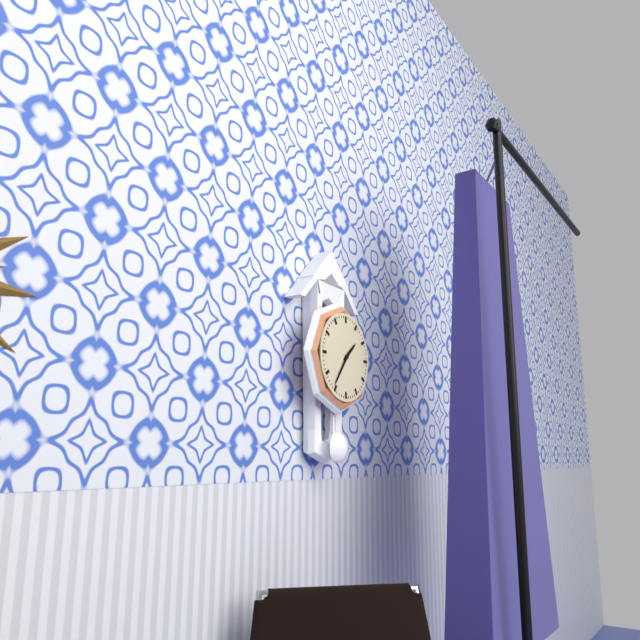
1:36
